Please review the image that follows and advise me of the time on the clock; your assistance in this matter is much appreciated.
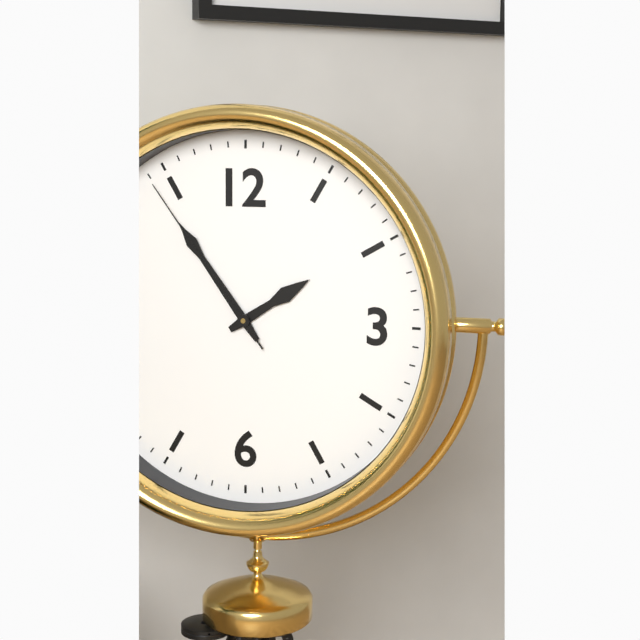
1:54:54
